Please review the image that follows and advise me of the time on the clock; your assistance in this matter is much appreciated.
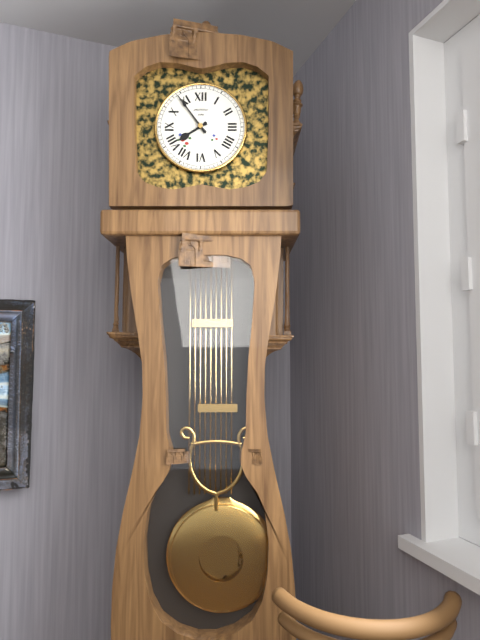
7:54
